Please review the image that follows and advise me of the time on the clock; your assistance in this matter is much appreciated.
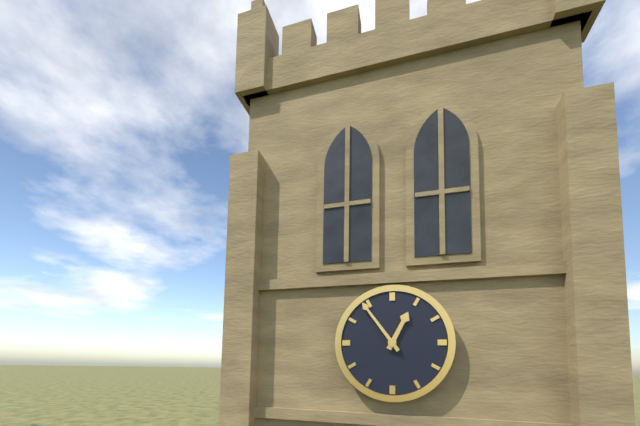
12:54
